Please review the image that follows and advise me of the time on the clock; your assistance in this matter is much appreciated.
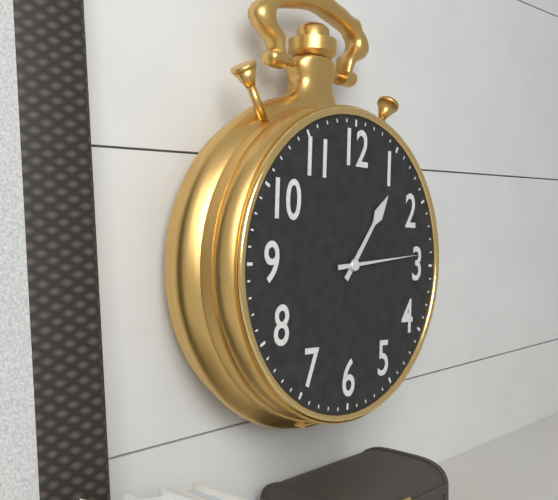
1:14
